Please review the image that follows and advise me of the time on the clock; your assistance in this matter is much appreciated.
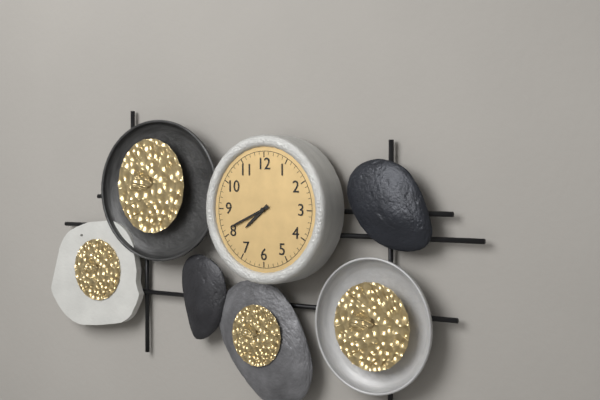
7:41
